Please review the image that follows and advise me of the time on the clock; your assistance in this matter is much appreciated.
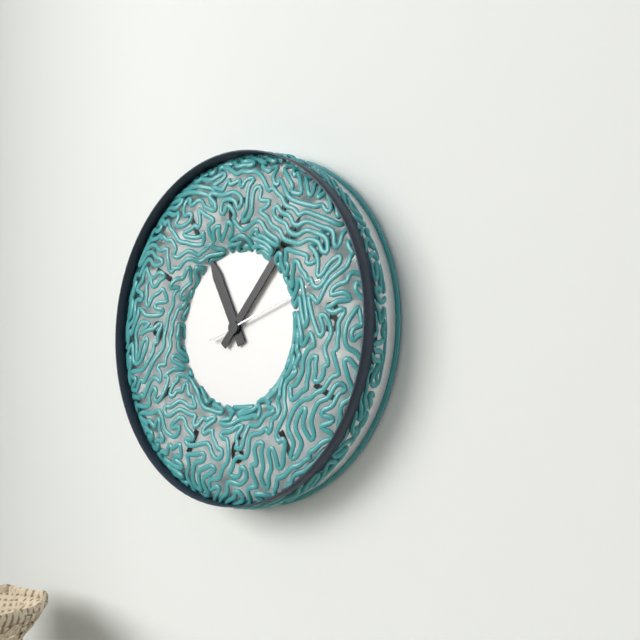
11:07:12
